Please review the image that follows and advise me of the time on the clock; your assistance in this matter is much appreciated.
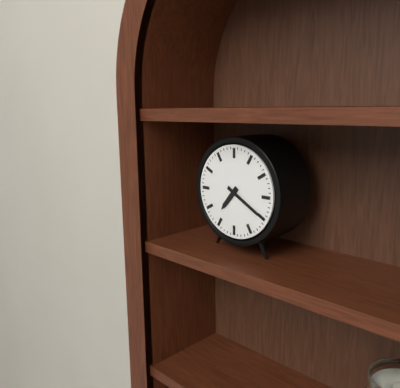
7:20
